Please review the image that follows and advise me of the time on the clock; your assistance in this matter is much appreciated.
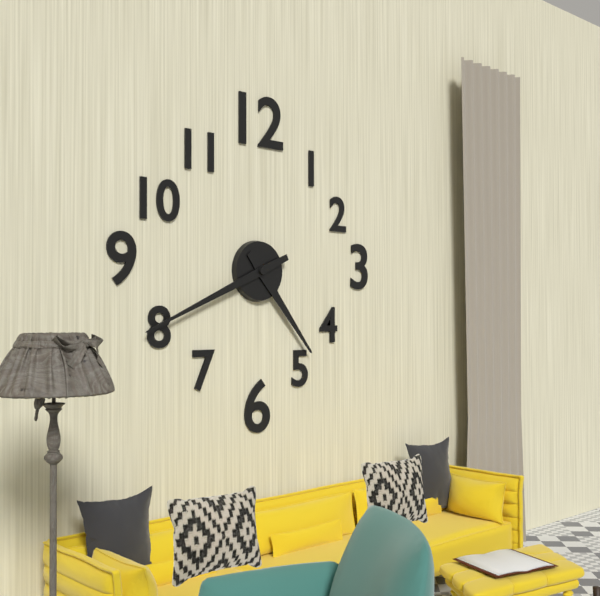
4:41
